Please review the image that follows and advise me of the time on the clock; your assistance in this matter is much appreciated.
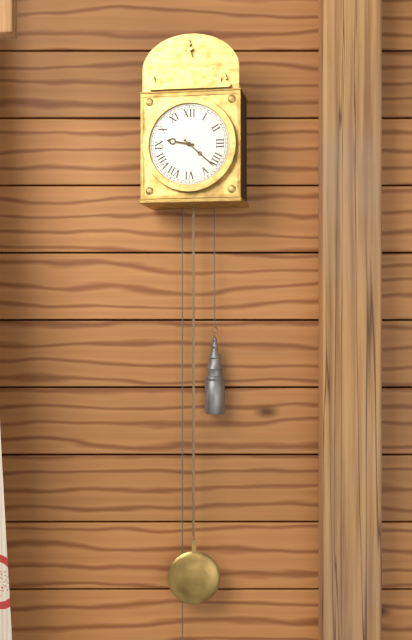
9:22
